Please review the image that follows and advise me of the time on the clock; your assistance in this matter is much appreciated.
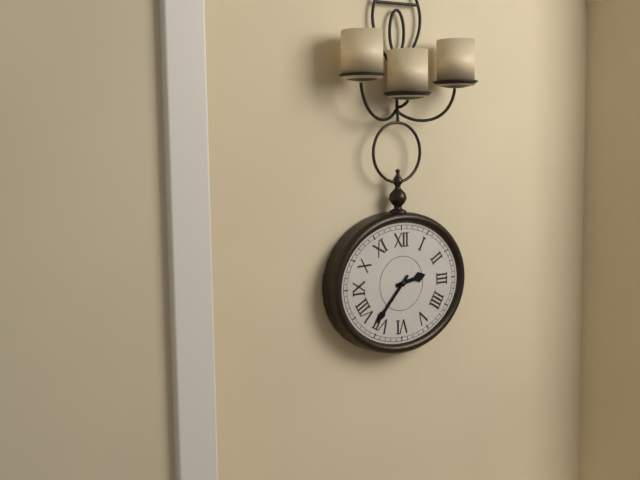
2:37
